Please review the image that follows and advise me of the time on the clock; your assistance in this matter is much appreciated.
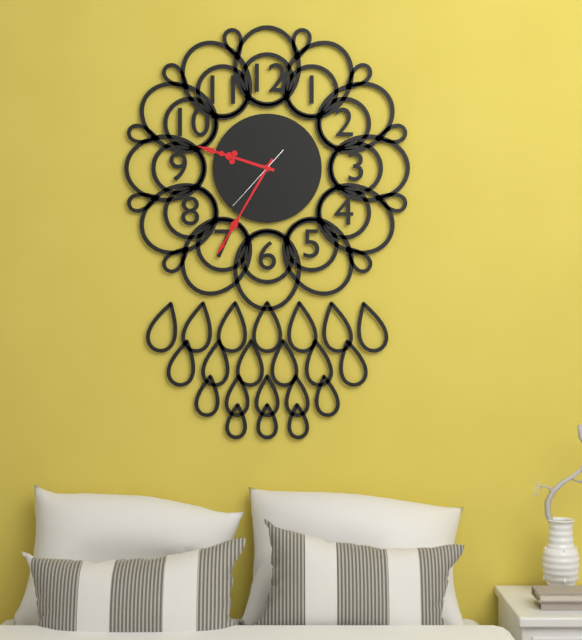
9:35:37
